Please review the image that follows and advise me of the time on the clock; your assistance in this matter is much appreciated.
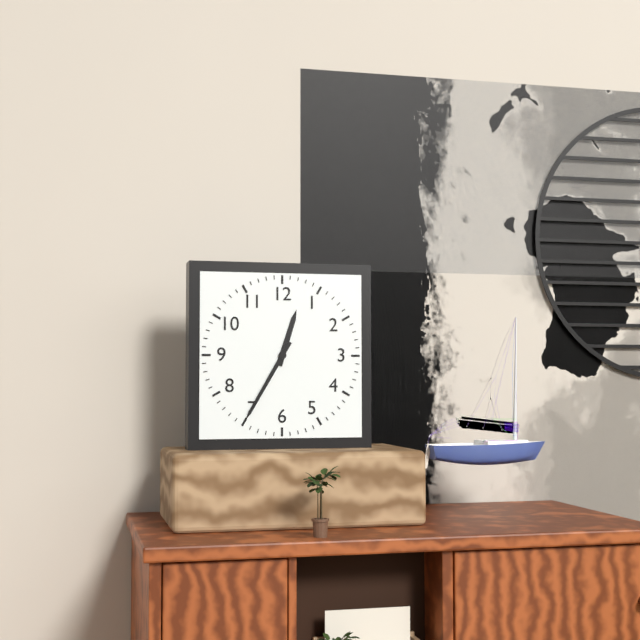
12:35
